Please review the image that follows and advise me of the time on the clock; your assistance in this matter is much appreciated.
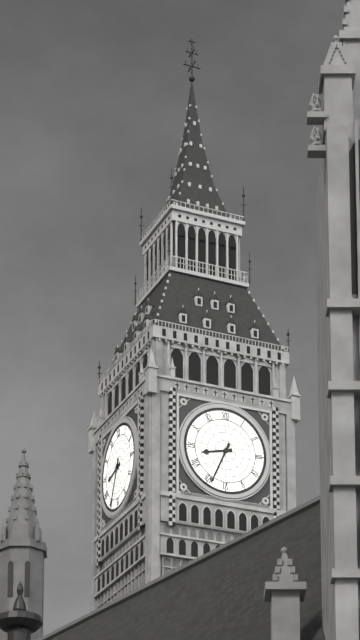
8:34
